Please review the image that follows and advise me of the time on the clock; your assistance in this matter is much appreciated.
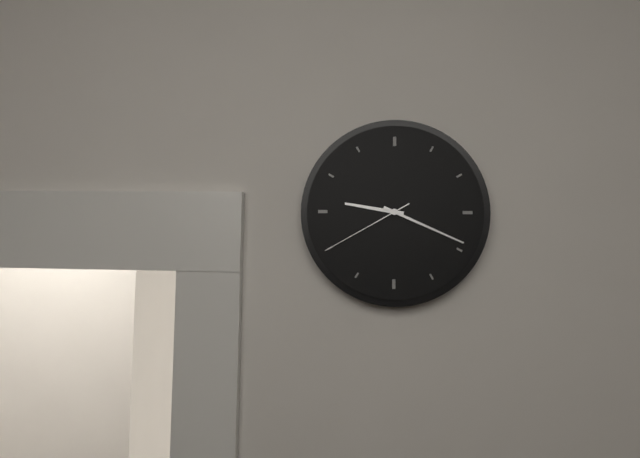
9:19:40
